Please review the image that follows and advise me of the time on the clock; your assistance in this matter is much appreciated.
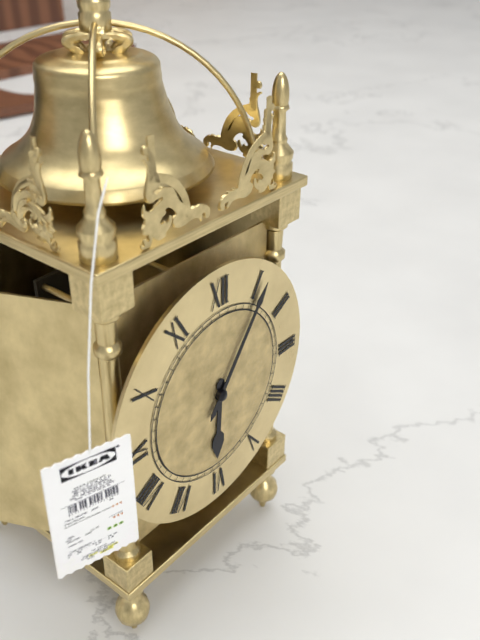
6:06
